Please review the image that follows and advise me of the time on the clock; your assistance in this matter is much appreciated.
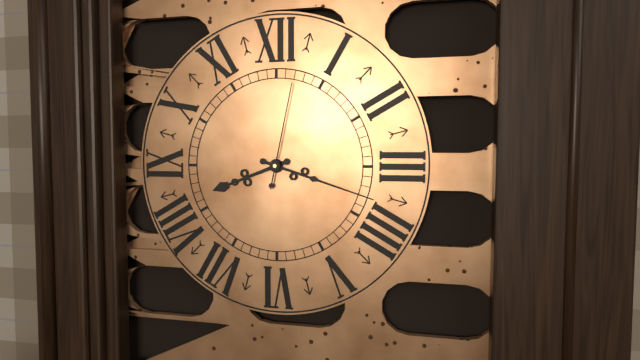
8:18:02
